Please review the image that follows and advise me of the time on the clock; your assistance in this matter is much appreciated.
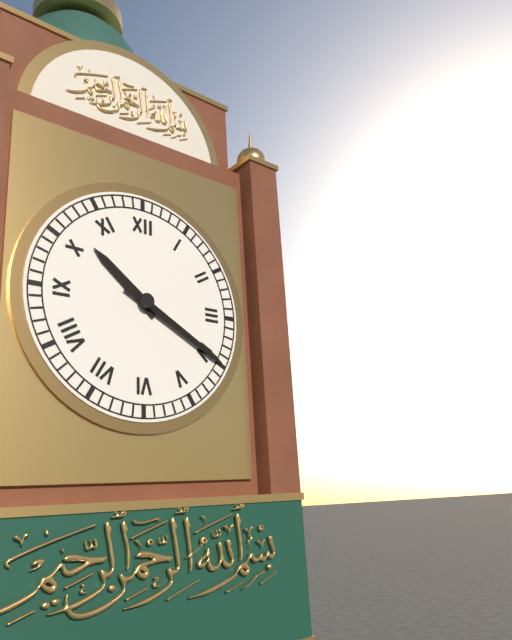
10:20
